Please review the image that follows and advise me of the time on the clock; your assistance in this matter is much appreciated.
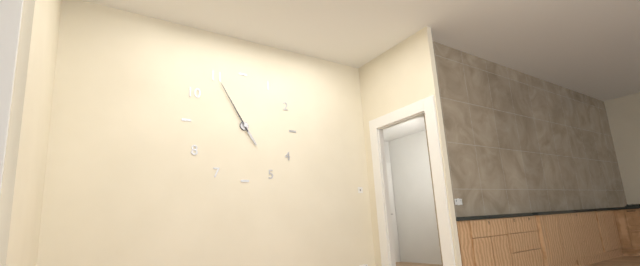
4:55
